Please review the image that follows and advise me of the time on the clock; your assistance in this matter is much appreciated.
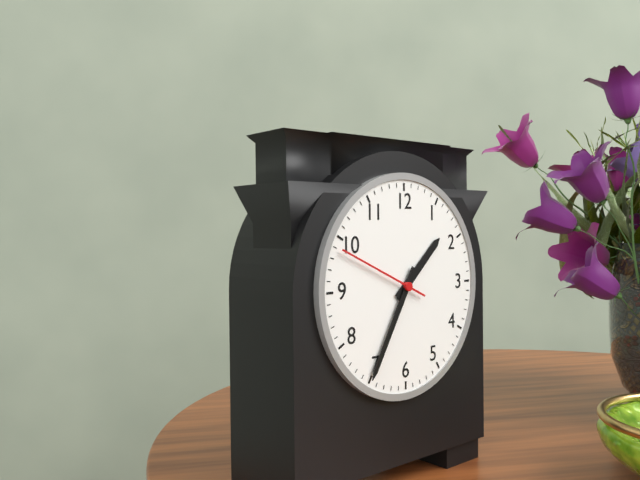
1:35:49
